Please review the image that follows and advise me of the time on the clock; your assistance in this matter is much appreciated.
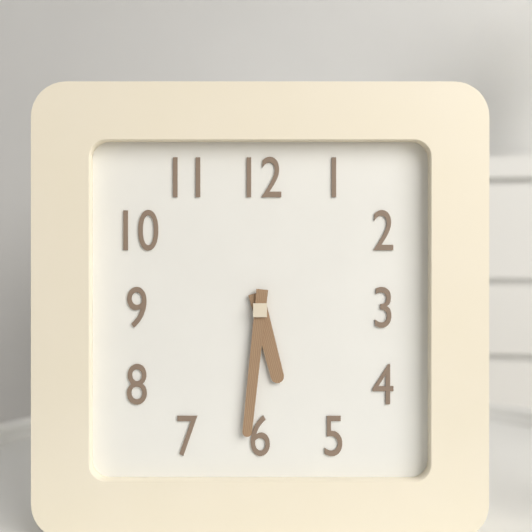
5:31
